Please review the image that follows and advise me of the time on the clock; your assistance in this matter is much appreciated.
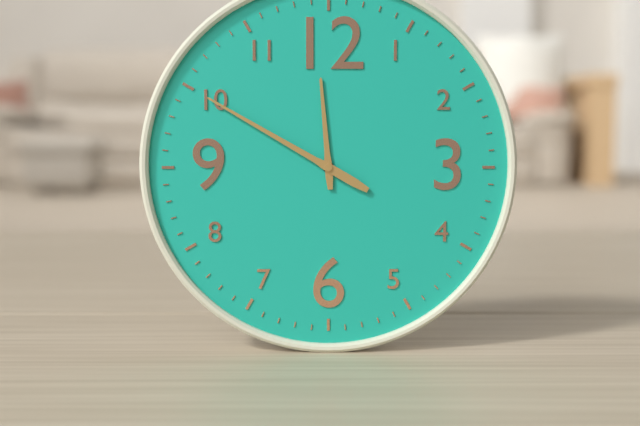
11:50
